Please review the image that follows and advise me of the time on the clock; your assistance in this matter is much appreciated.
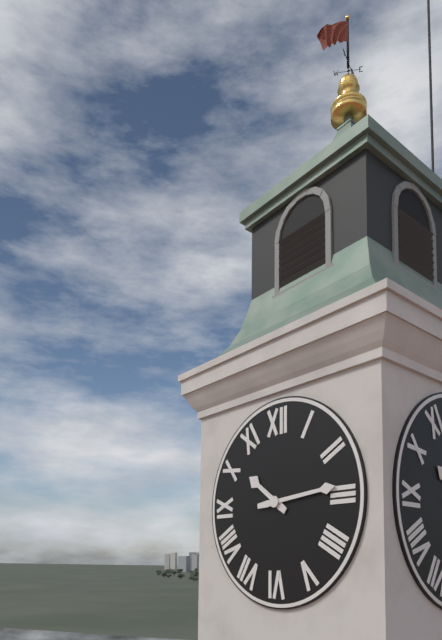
10:14
